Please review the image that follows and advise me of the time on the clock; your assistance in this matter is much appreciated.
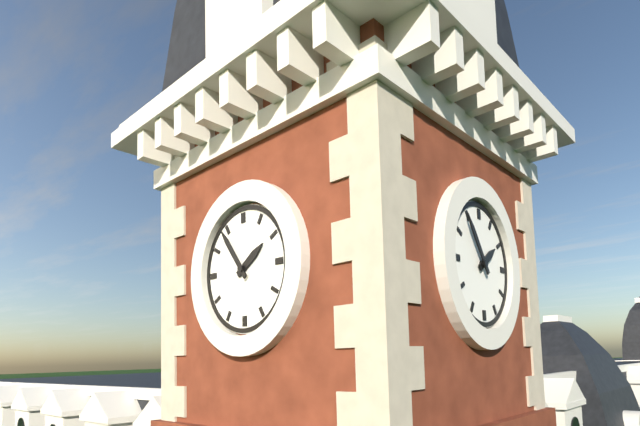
1:54
